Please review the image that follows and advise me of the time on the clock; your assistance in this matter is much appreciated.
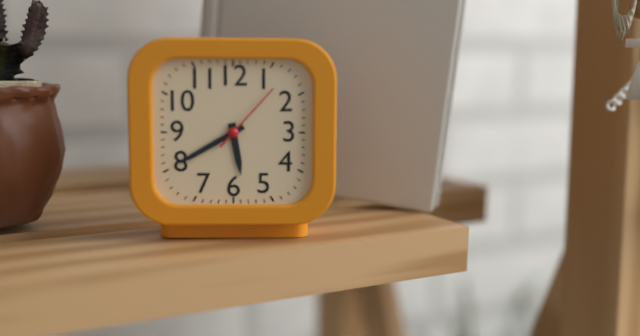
5:40:07
